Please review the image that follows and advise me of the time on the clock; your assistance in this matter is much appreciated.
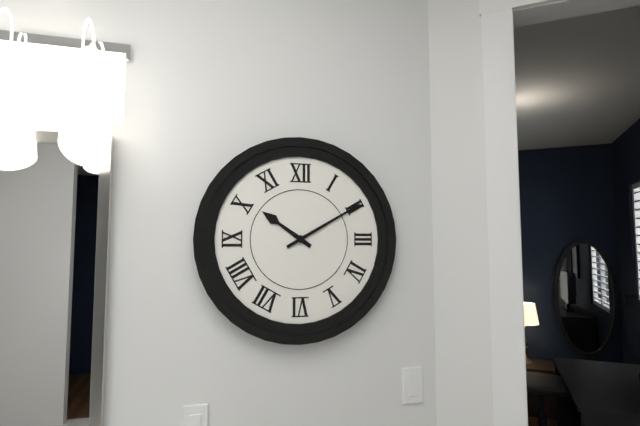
10:10
